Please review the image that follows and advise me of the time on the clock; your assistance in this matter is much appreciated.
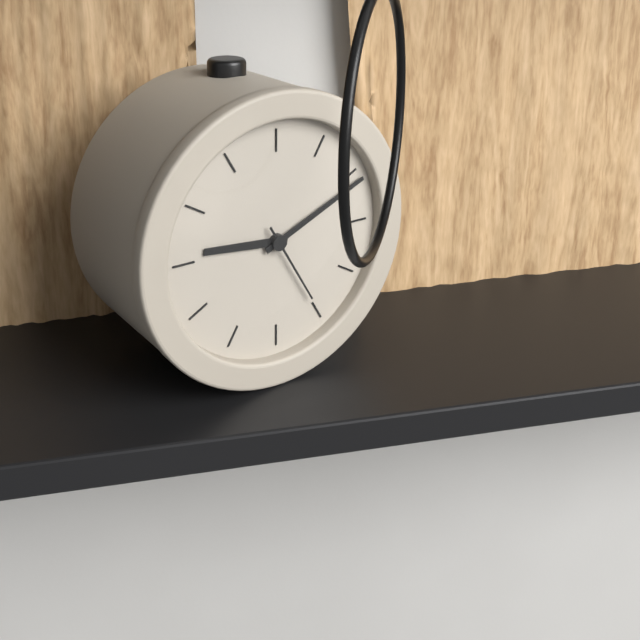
9:11:25
